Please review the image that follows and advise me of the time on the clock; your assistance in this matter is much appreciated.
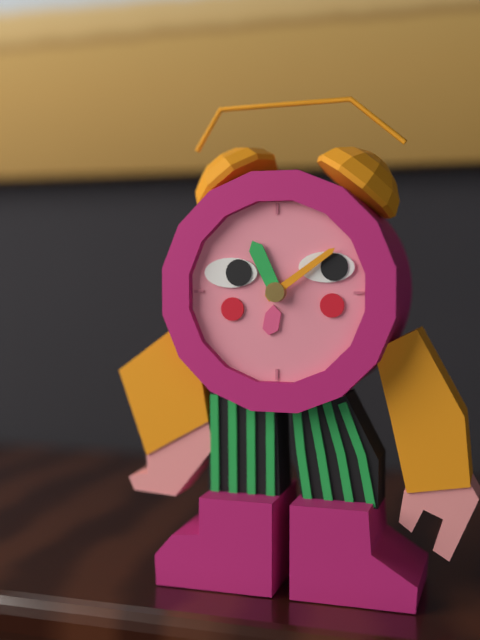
11:09
